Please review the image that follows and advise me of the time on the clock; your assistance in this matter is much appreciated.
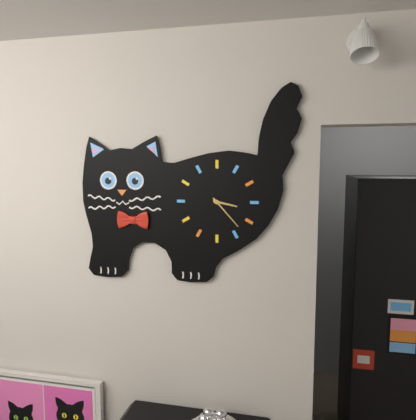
3:23
